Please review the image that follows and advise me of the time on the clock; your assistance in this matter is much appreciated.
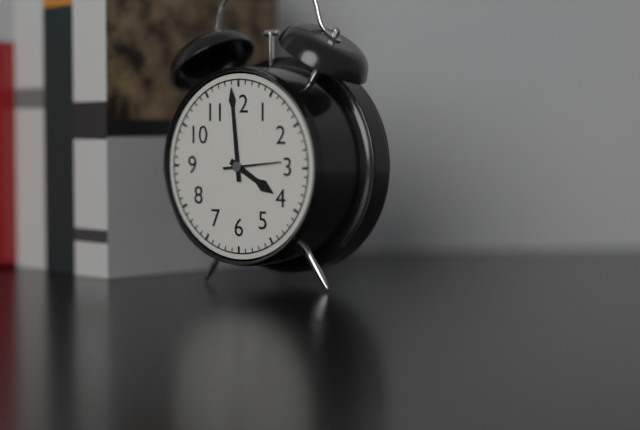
3:59:14
